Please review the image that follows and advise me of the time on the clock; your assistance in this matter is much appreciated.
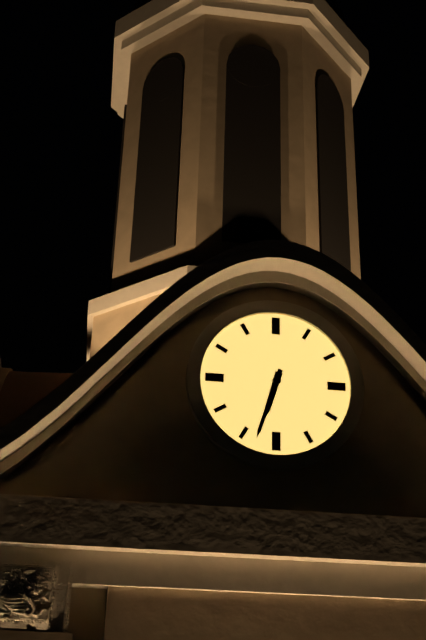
6:33
